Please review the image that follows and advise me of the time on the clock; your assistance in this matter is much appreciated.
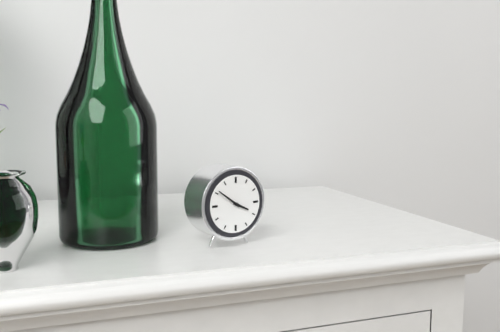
3:51
